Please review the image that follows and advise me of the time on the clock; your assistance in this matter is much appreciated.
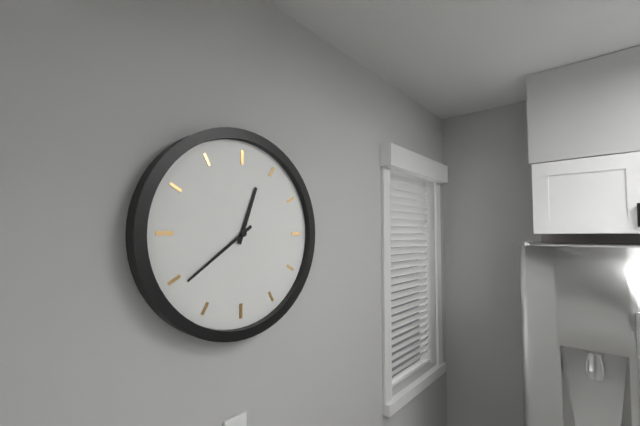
12:39
